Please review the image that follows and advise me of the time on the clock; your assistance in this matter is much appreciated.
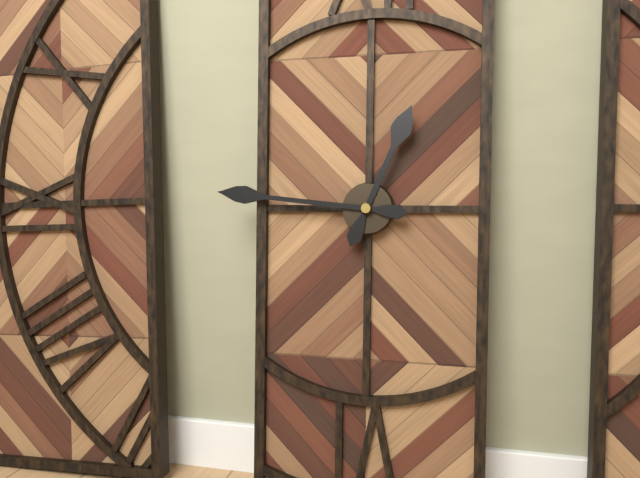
12:46
